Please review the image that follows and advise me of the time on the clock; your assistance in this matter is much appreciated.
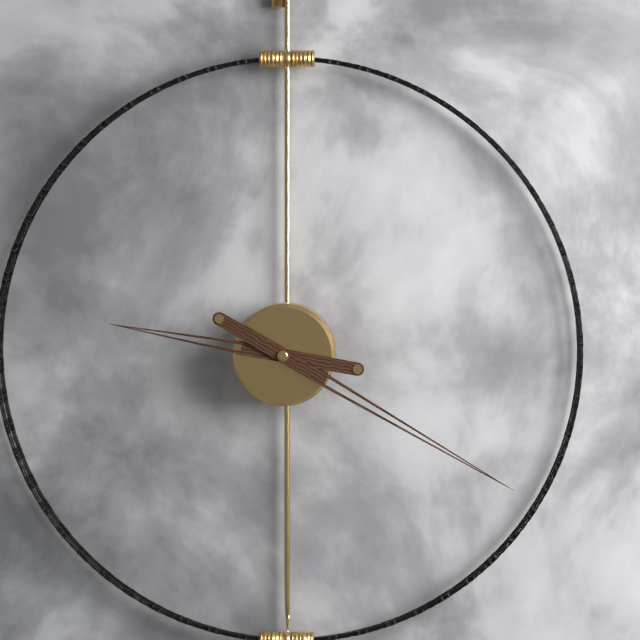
9:20
